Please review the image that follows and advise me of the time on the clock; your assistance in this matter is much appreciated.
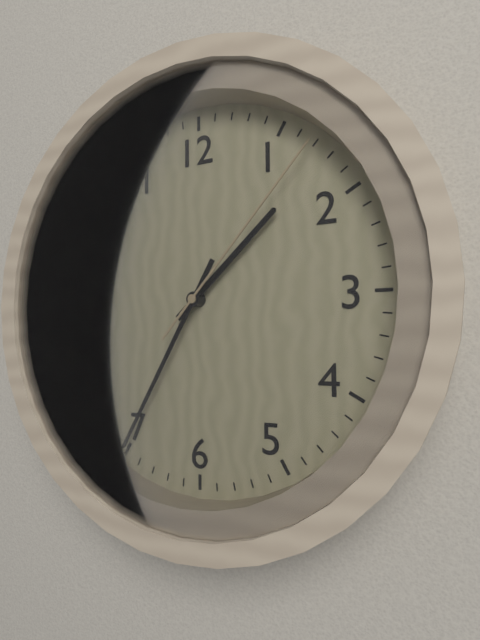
1:35:07
